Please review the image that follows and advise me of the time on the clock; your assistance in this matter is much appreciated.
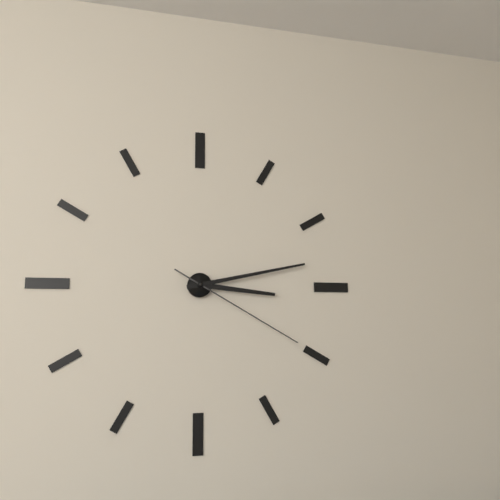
3:13:20
